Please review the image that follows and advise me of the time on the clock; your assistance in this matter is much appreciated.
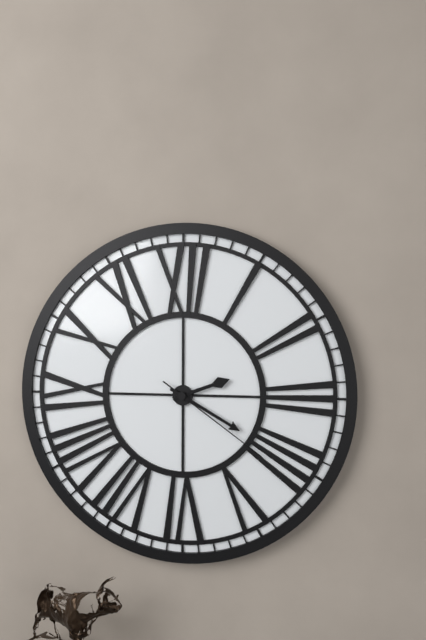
2:20:21
